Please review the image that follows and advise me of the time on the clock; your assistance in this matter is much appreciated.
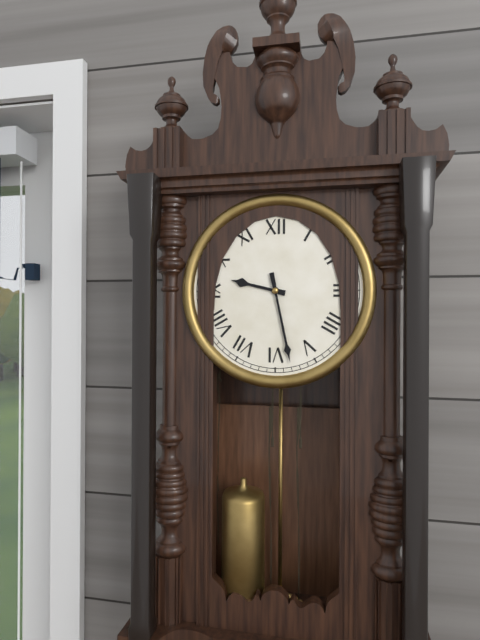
9:28
